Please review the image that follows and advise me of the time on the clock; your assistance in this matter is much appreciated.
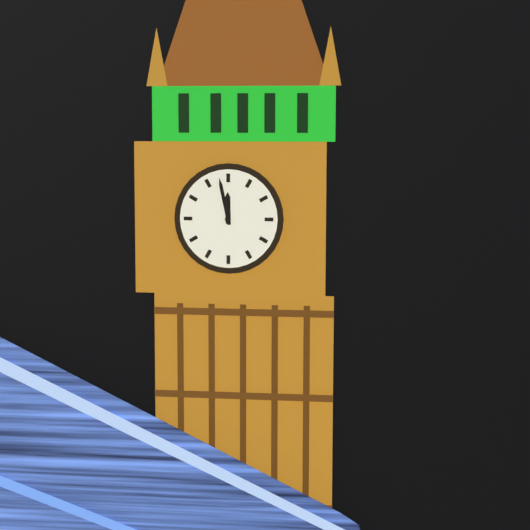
11:58
